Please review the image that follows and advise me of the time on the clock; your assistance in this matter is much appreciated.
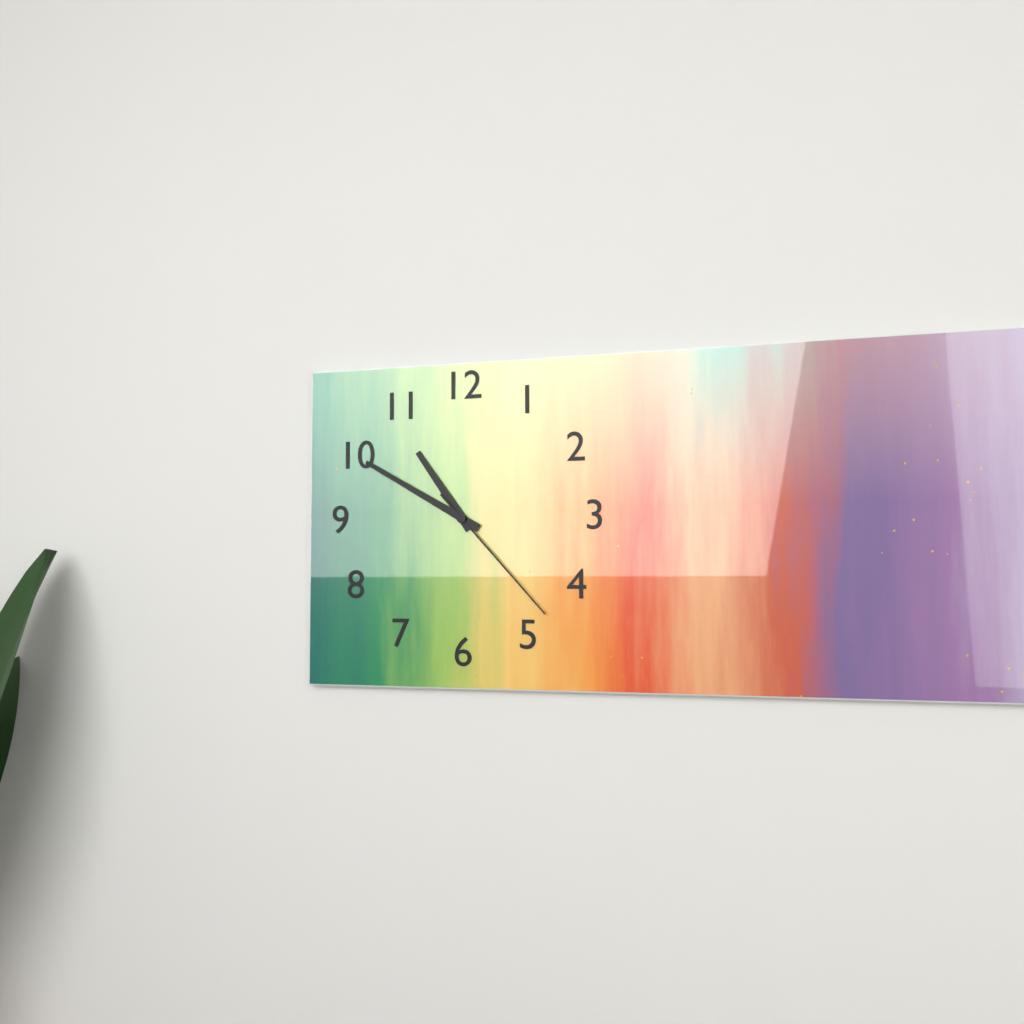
10:50:23
